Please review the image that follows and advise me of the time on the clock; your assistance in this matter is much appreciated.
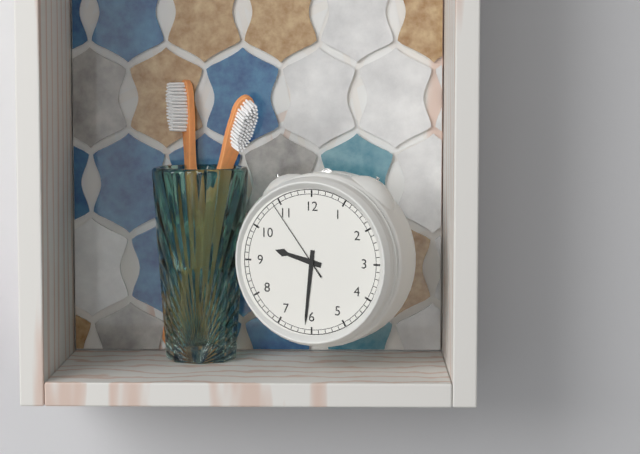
9:31:54
